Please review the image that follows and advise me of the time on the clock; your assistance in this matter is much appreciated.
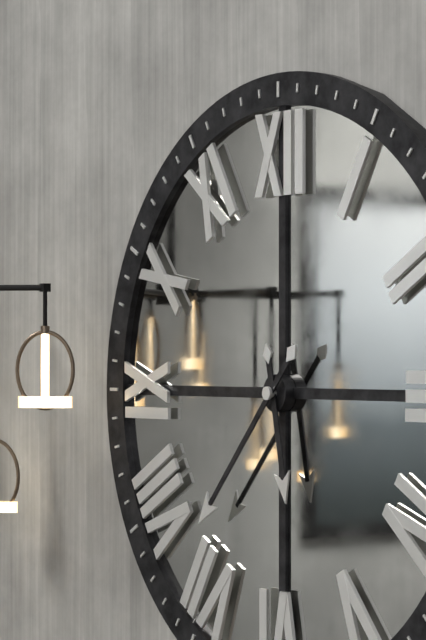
5:37
